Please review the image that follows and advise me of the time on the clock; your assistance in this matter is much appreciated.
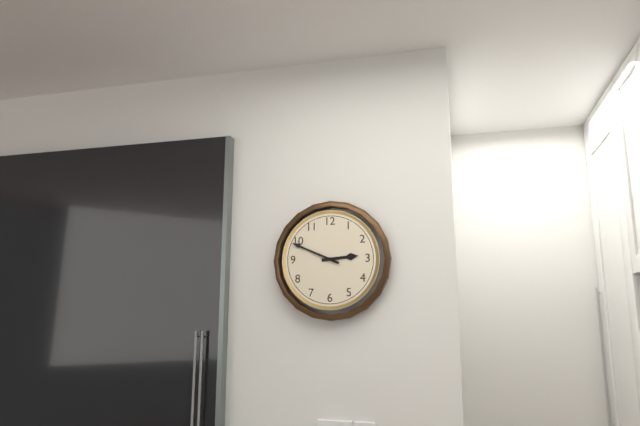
2:49
